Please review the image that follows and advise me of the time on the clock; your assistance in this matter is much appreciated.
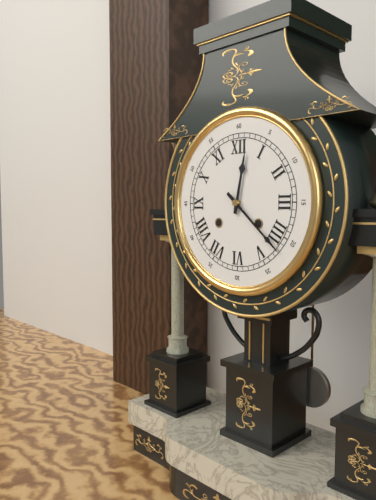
12:22
